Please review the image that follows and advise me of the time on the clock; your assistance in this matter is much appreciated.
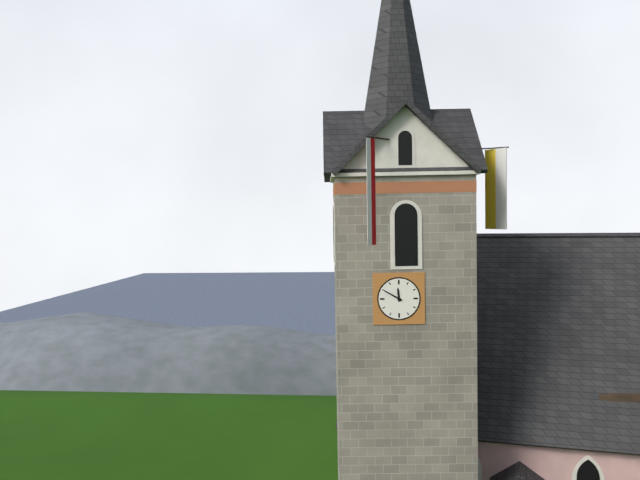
11:50
